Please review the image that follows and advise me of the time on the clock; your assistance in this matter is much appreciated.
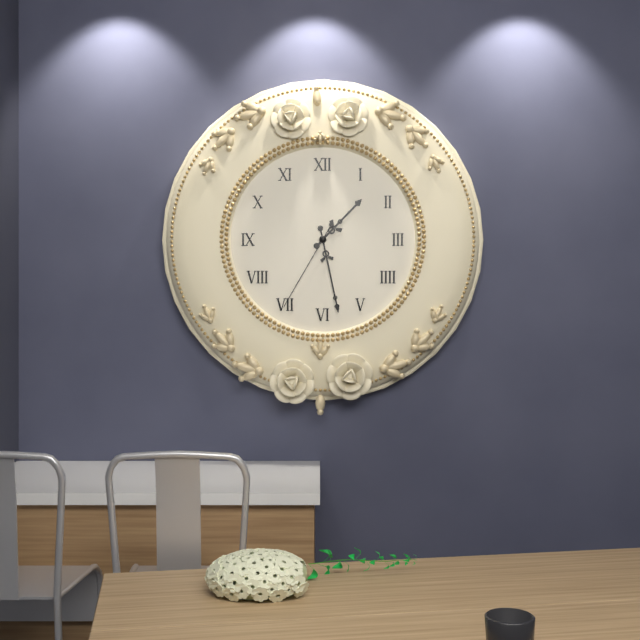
1:28:35
